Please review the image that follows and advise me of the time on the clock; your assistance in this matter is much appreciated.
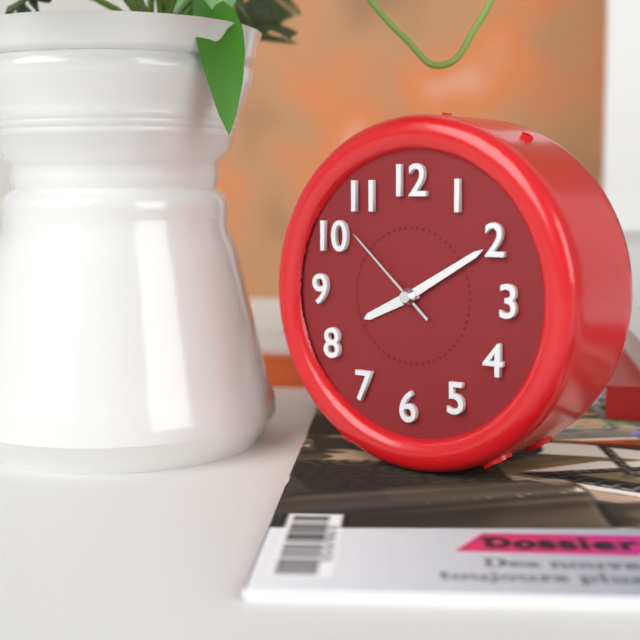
8:10:52
